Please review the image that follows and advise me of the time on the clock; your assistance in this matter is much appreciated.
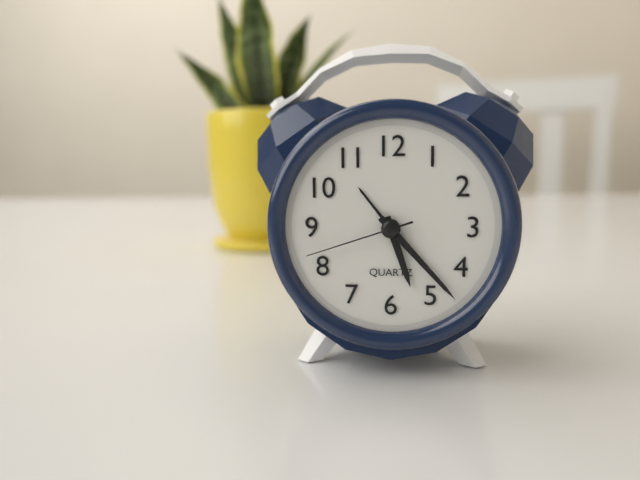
5:23:42
